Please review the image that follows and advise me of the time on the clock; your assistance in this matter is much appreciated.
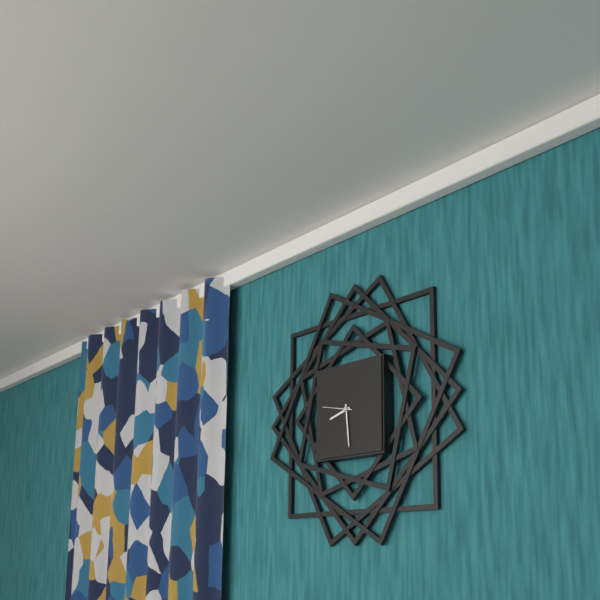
8:29
